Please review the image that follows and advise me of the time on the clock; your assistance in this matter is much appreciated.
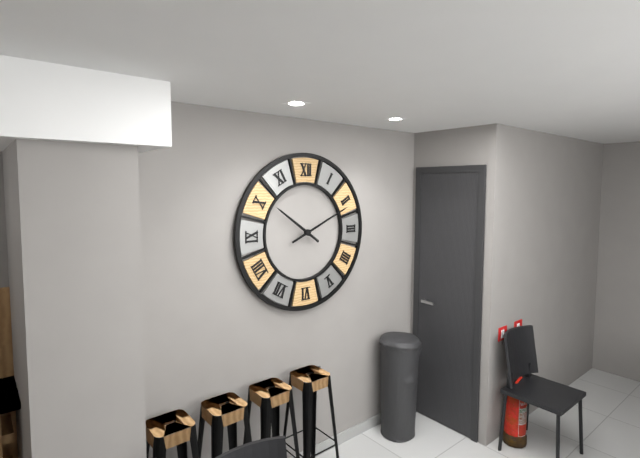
10:11
